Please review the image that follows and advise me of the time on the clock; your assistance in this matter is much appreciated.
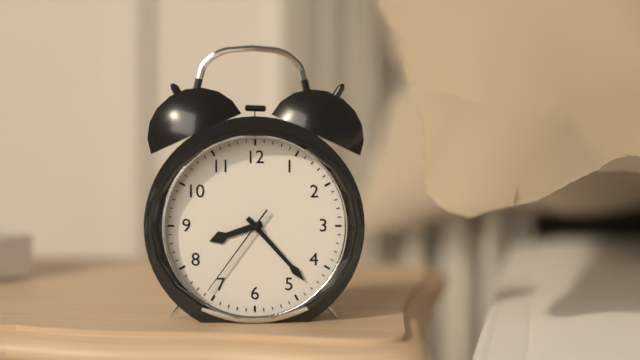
8:23:36
